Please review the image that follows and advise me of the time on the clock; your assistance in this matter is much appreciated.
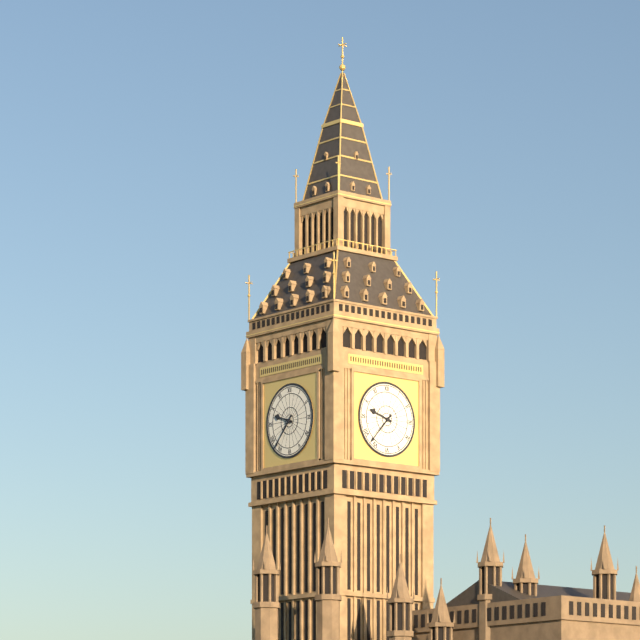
9:37
